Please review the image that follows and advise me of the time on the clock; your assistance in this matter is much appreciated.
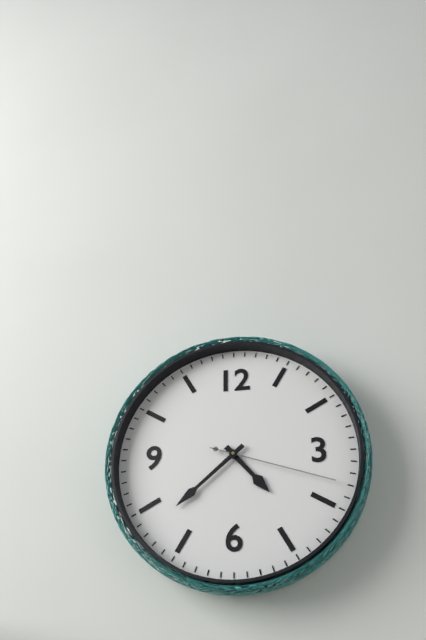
4:38:18
